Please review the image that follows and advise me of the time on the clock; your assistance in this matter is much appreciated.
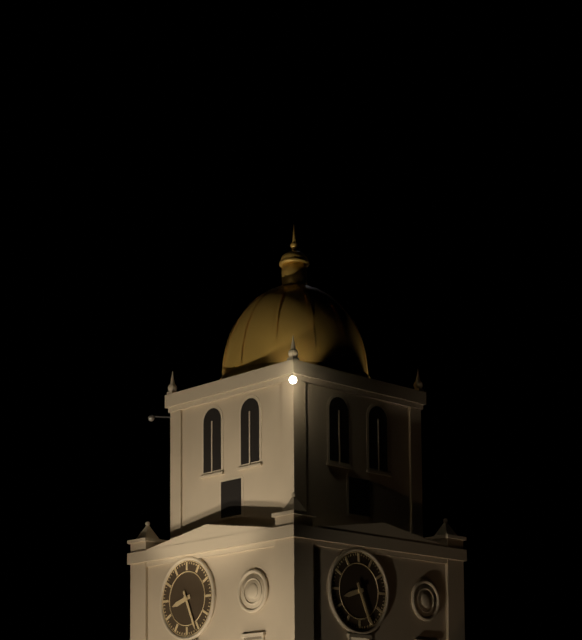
8:26
